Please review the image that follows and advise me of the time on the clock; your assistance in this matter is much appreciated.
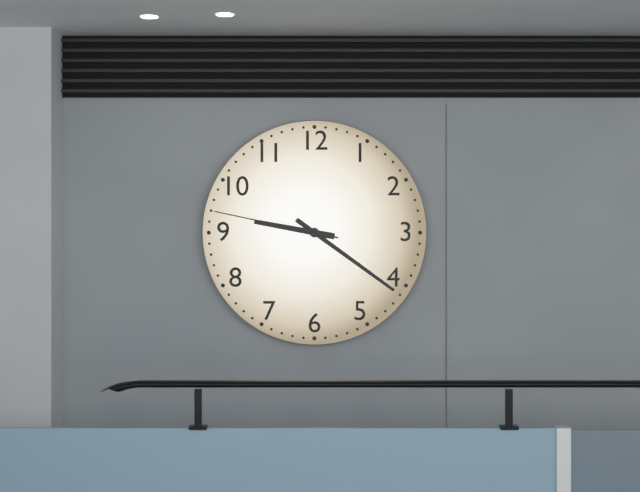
9:21:47
